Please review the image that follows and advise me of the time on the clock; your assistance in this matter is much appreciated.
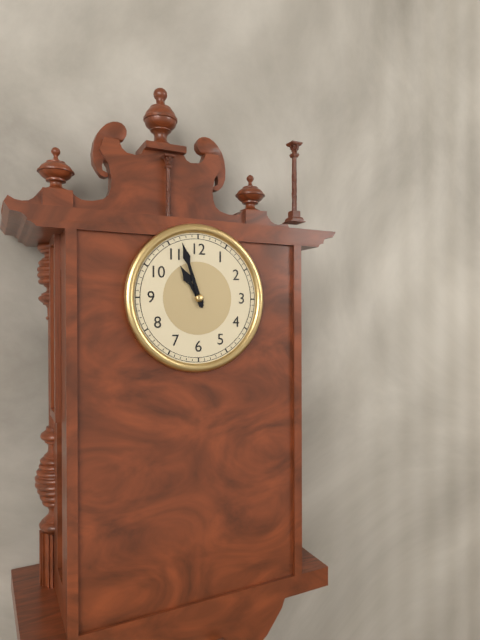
10:57
